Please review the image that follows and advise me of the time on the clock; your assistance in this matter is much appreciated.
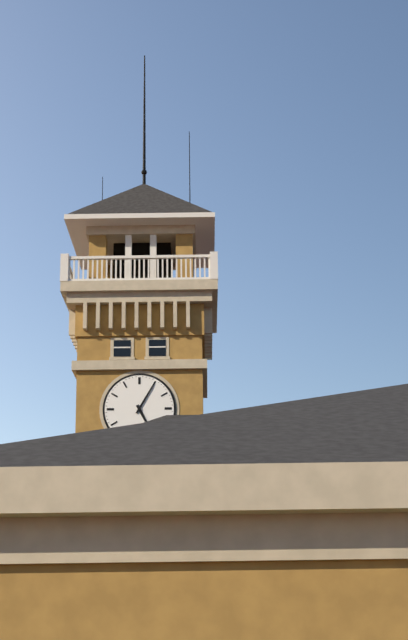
5:05
